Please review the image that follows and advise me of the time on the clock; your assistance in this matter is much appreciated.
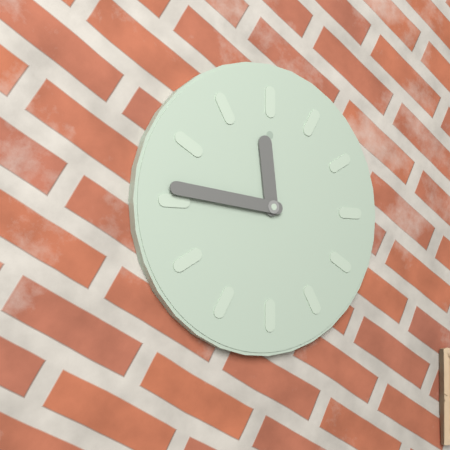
11:46
